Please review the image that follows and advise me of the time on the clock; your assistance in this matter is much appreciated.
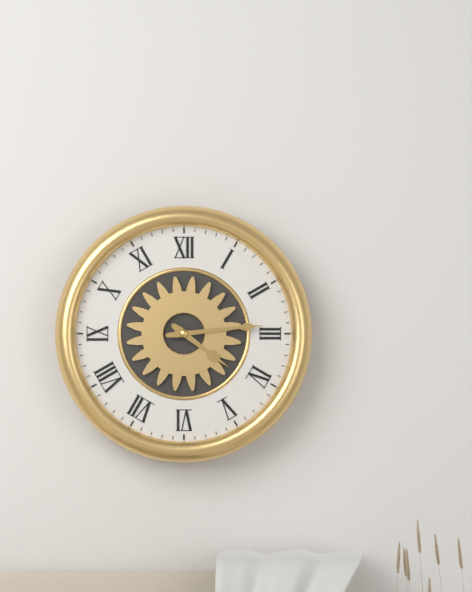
4:14
